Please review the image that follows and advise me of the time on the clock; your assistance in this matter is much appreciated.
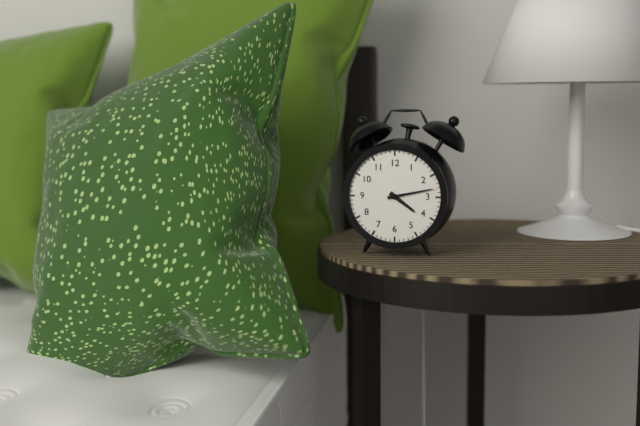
4:13
